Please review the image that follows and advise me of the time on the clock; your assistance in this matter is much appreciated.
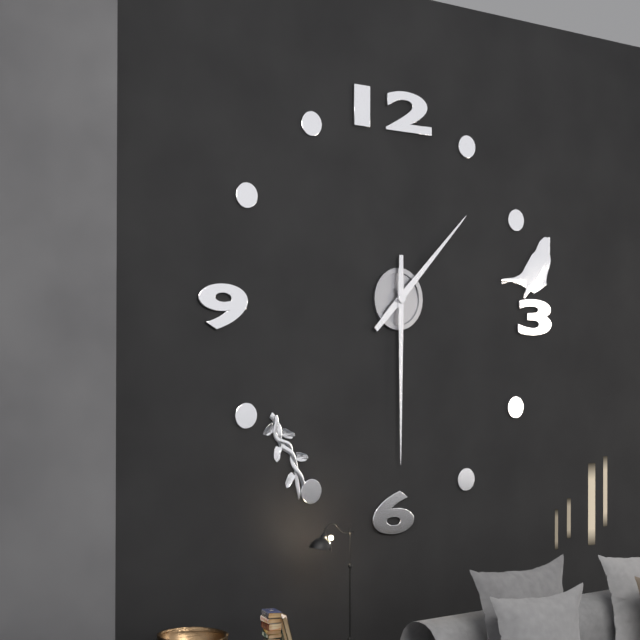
1:30
